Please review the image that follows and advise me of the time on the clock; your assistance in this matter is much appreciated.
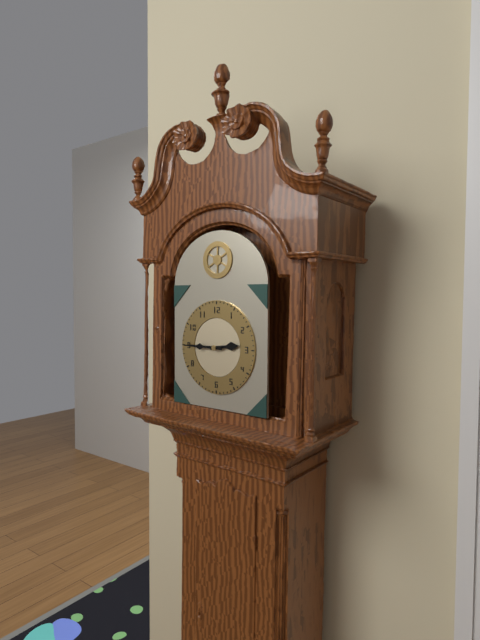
2:45
